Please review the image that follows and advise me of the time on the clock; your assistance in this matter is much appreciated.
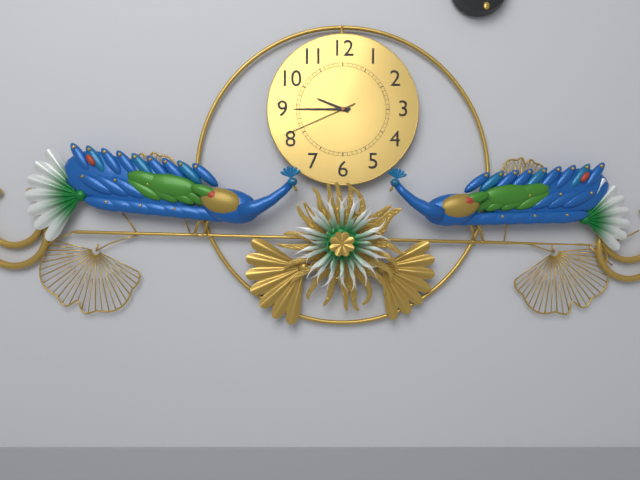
9:45:41
